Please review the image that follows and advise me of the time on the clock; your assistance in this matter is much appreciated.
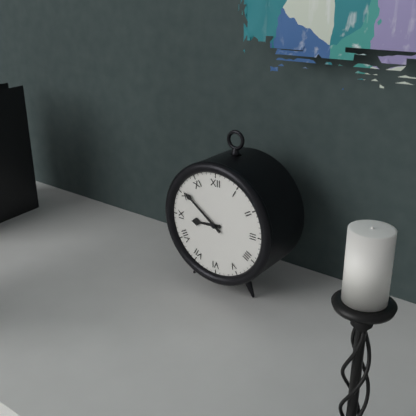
8:51
